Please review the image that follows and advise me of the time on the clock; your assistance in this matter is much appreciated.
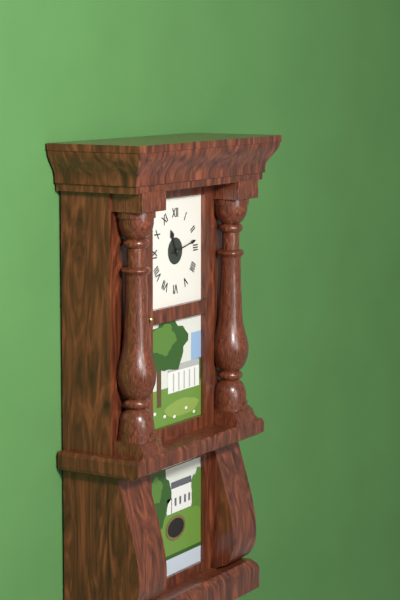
11:13
